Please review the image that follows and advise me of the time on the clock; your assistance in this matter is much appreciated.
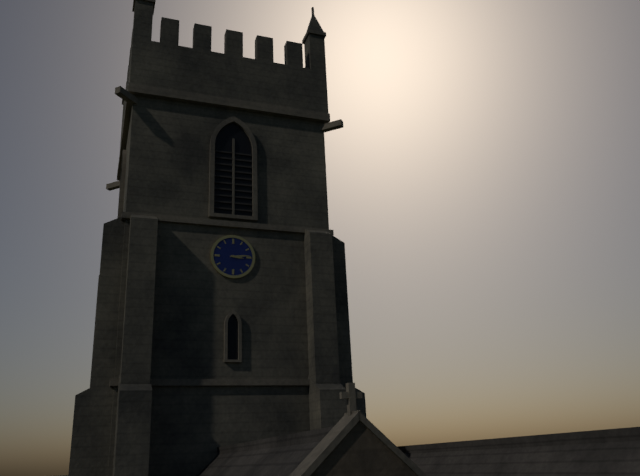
3:14
